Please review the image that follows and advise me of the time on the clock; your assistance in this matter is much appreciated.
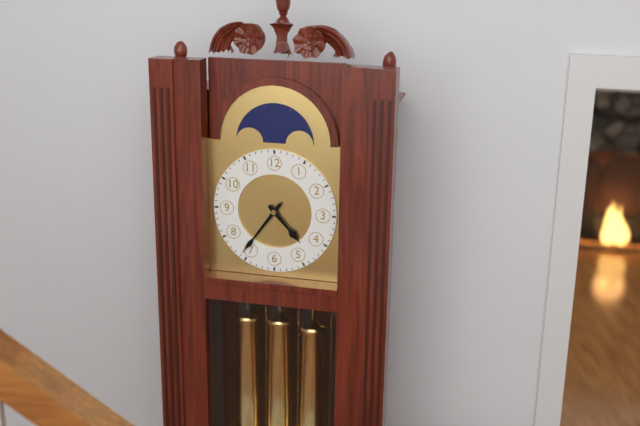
4:36
